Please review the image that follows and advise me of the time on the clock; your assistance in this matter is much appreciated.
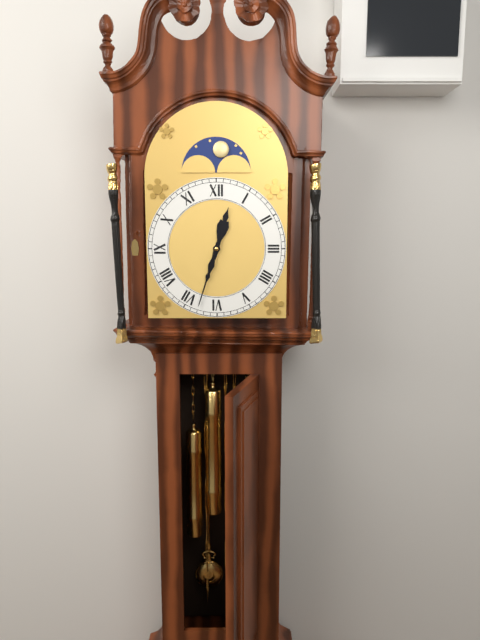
12:33
